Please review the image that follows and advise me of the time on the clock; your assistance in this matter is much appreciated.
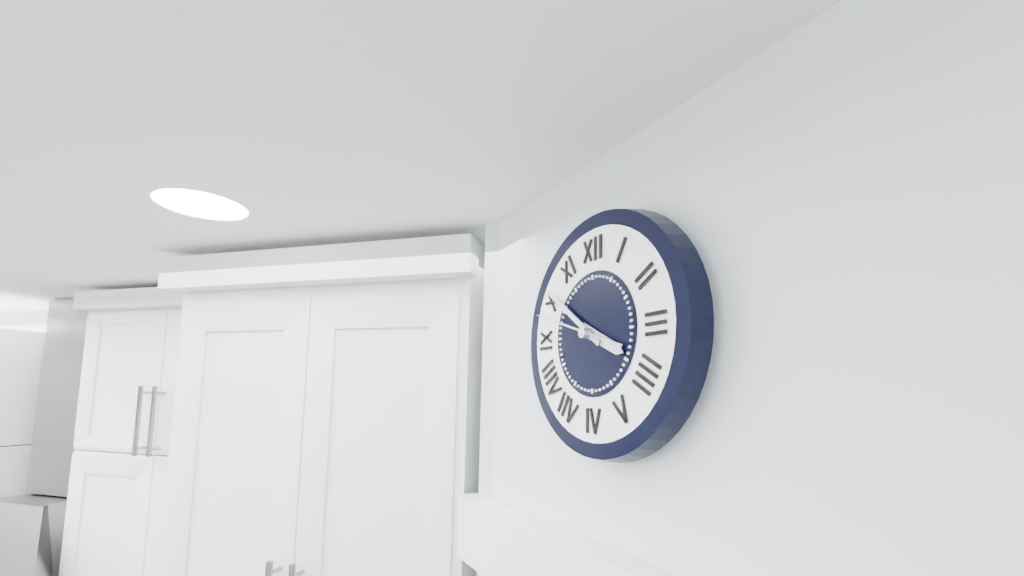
3:51:48
